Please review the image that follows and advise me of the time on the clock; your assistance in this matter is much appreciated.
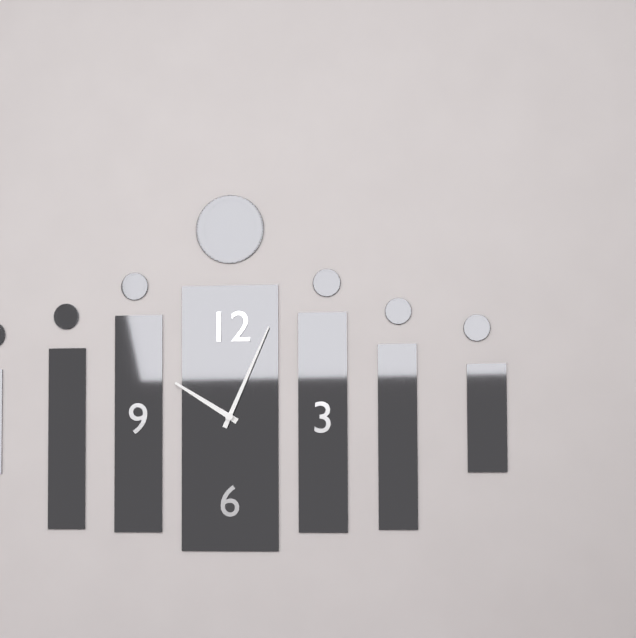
10:04
